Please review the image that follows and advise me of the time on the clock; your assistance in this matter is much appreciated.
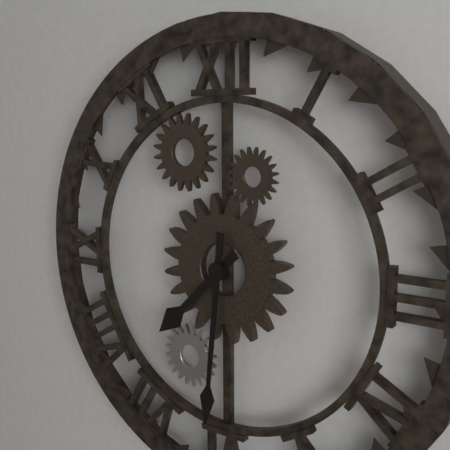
7:31
